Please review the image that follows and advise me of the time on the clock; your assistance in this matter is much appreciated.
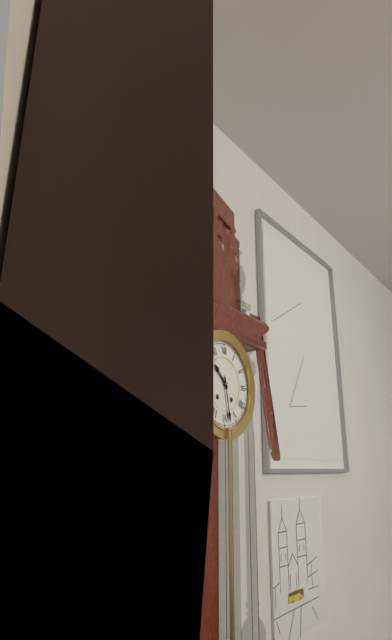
10:28
